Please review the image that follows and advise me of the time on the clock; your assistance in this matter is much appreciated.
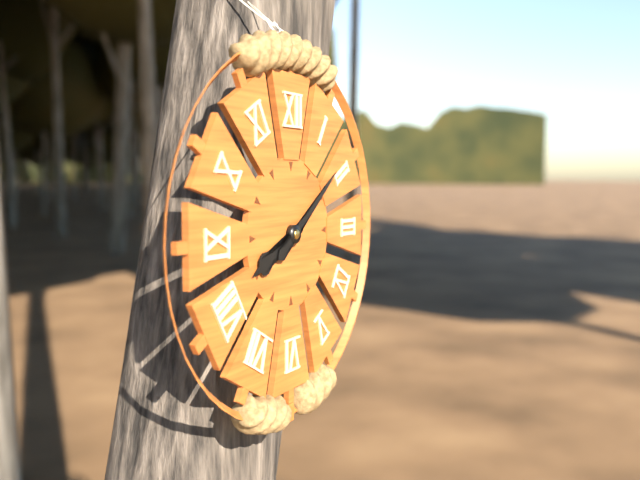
8:09
